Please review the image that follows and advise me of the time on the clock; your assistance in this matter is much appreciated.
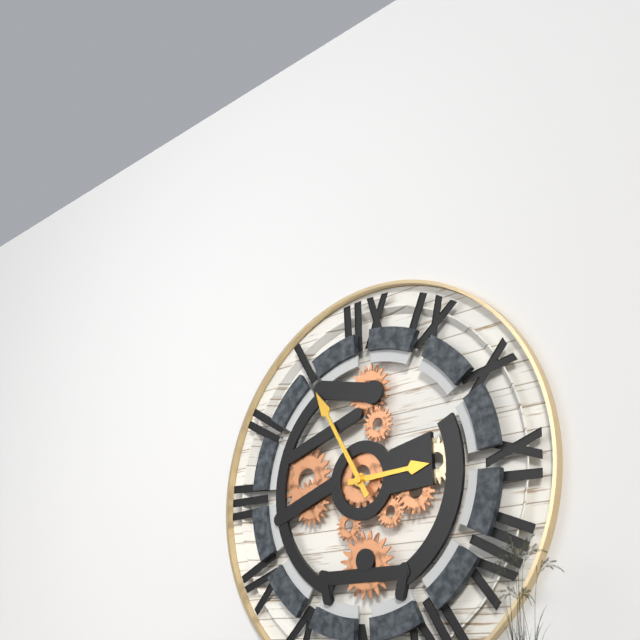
2:55
